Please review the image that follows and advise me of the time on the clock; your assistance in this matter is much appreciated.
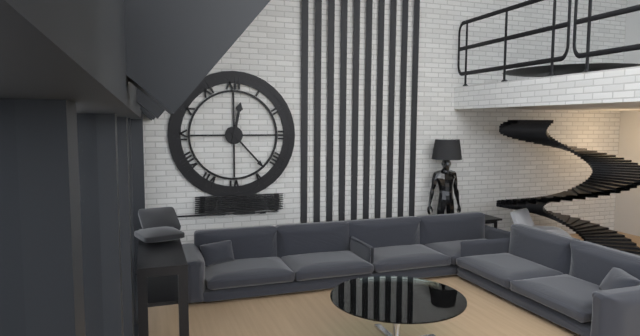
12:23
